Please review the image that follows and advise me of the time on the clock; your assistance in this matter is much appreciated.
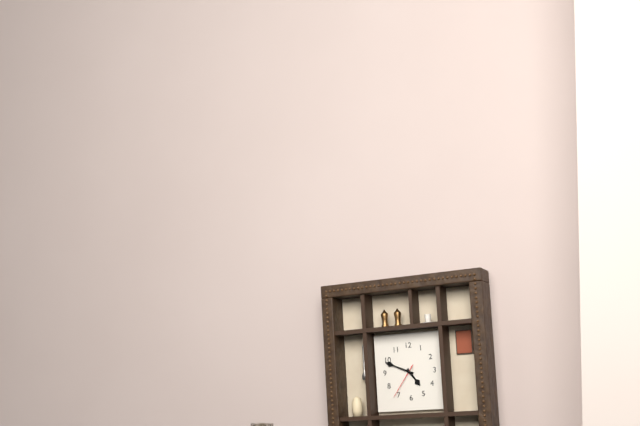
4:49
